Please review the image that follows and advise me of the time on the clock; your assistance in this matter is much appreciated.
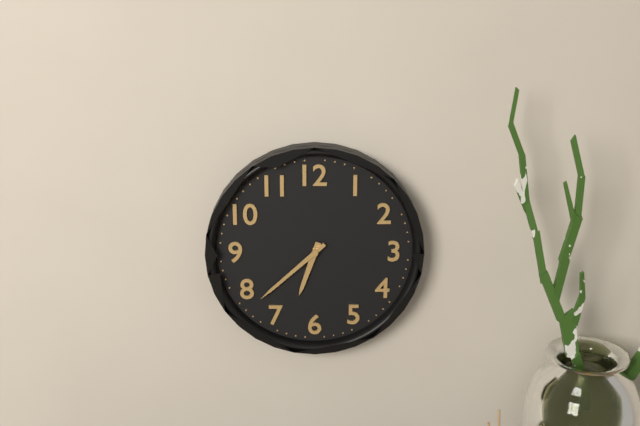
6:38
